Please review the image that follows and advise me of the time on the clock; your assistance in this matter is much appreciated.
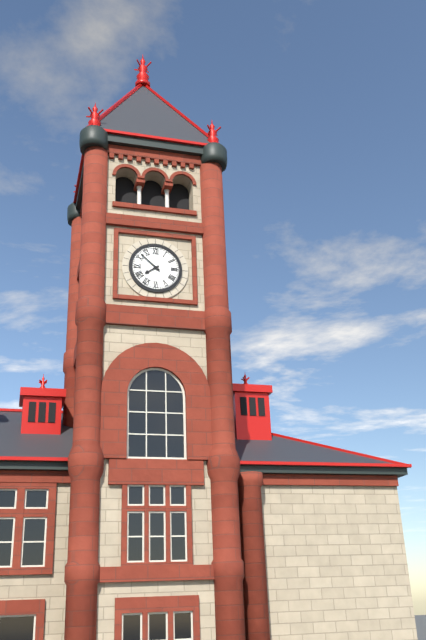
7:52
